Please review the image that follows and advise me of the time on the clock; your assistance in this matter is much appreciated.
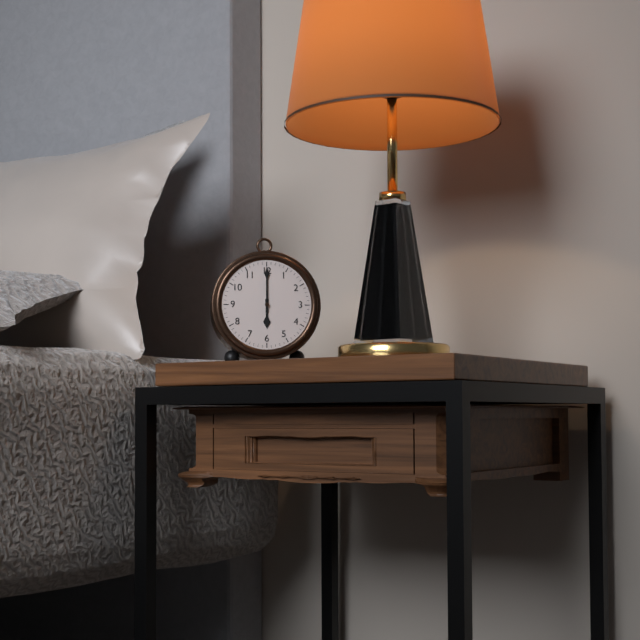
6:00
